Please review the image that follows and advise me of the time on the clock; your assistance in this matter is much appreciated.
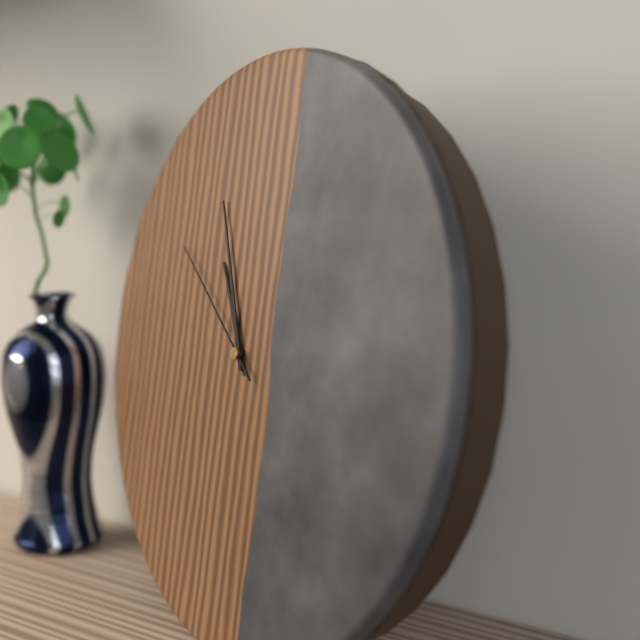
10:56:51
